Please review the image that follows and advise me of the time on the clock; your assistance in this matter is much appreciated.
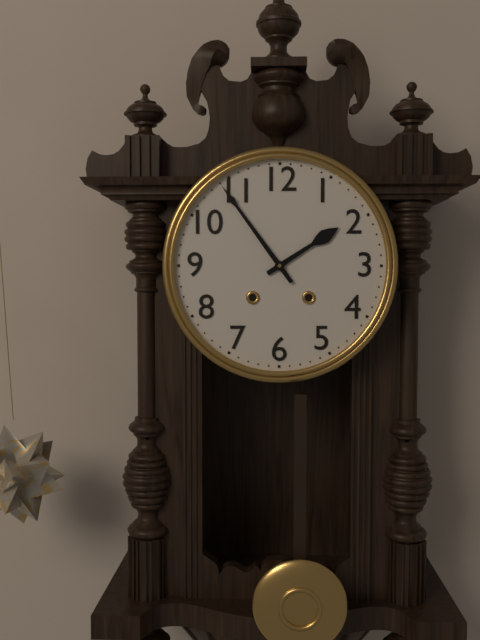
1:54
